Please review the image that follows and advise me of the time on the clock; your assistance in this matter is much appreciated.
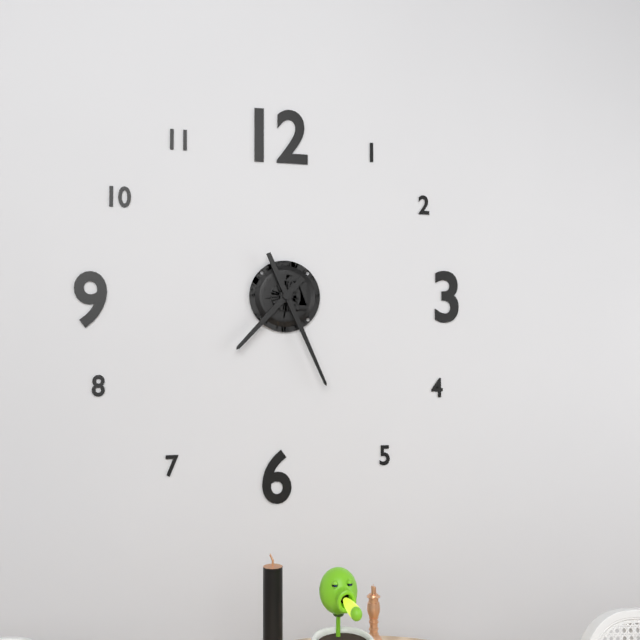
7:26
